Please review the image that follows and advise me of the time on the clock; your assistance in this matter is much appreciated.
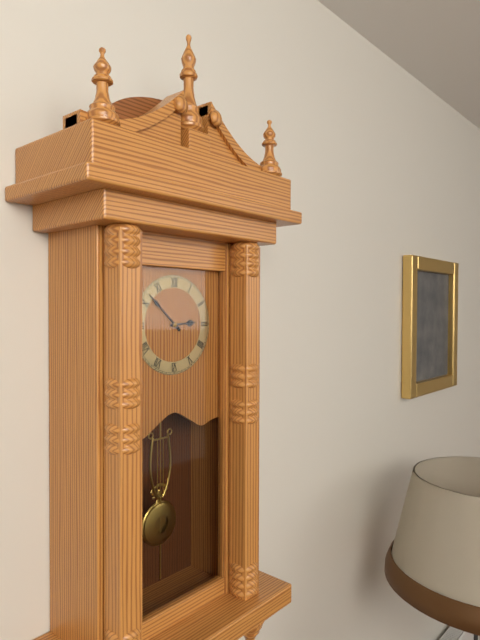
2:52
